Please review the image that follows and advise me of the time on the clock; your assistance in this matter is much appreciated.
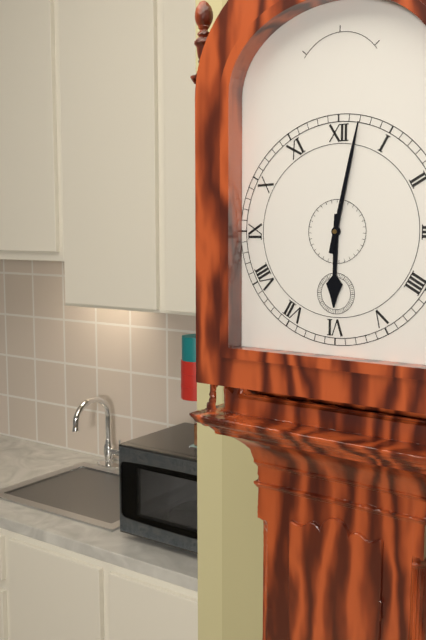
6:02
